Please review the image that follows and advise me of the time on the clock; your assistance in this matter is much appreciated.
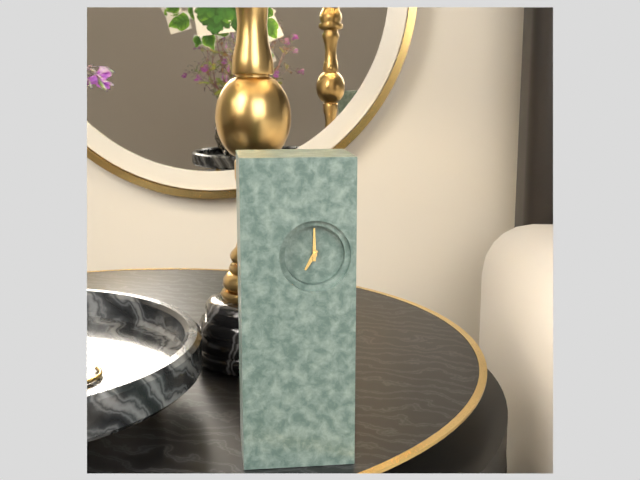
7:00
